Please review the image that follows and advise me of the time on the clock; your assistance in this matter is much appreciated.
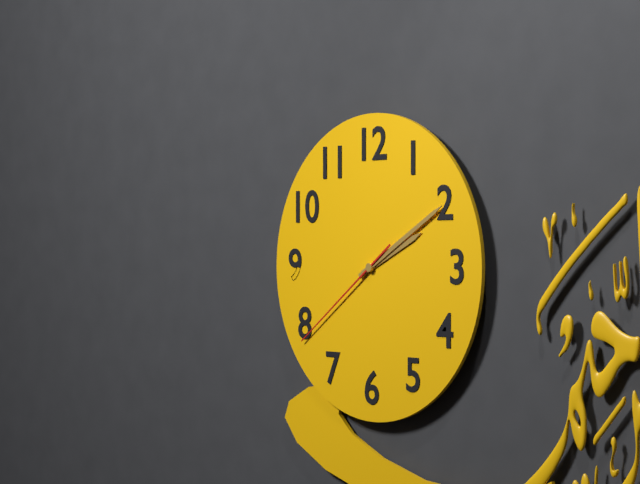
2:10:39
